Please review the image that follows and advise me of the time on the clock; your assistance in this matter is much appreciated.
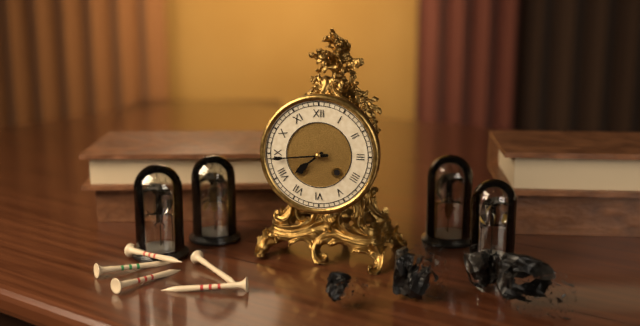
7:44
